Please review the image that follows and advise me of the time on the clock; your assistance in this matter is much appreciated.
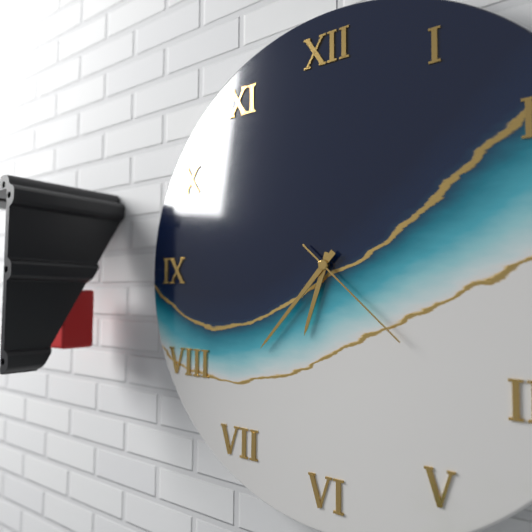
6:37:22
